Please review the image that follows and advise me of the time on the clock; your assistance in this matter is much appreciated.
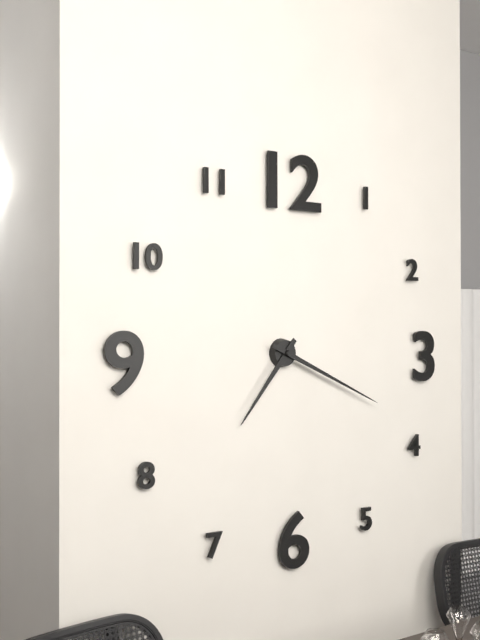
7:19
